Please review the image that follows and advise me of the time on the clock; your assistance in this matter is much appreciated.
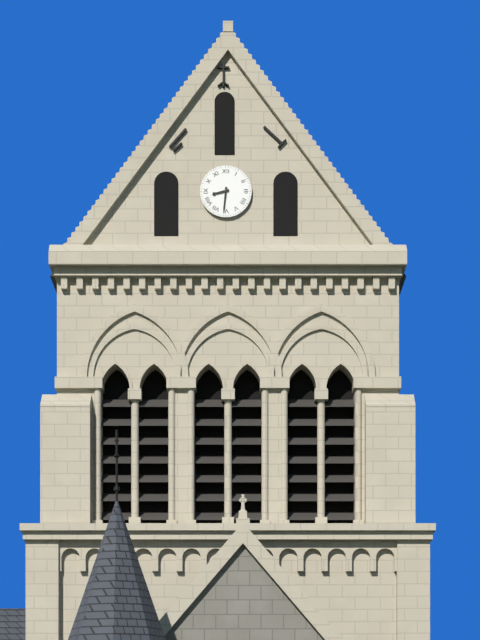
8:31
